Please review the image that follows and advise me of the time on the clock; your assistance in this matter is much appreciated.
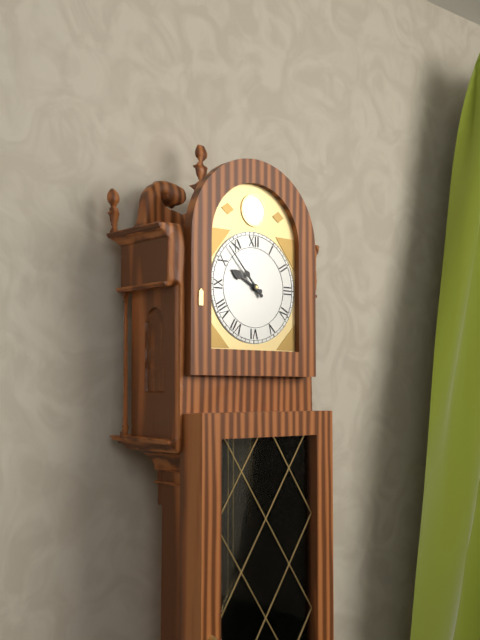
9:53
